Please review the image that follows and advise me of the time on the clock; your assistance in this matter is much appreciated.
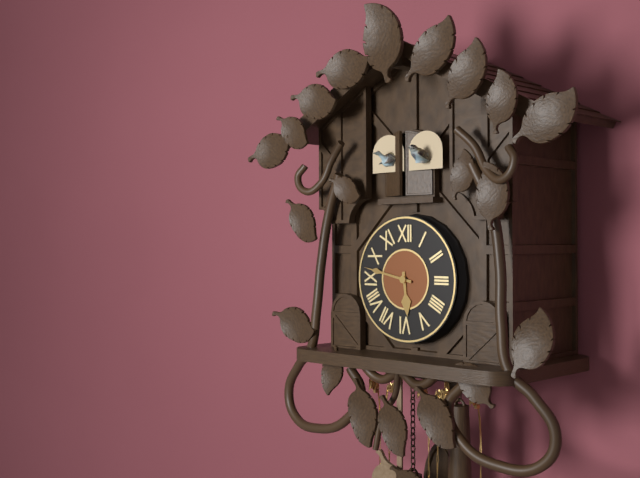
5:47
